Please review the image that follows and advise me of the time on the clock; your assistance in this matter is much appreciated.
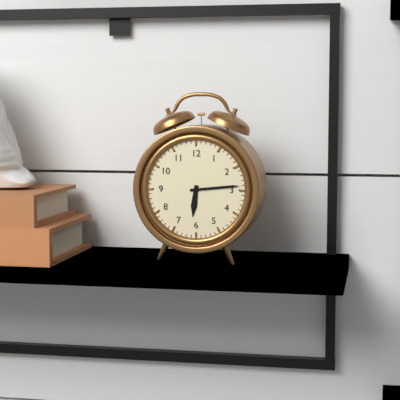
6:14
